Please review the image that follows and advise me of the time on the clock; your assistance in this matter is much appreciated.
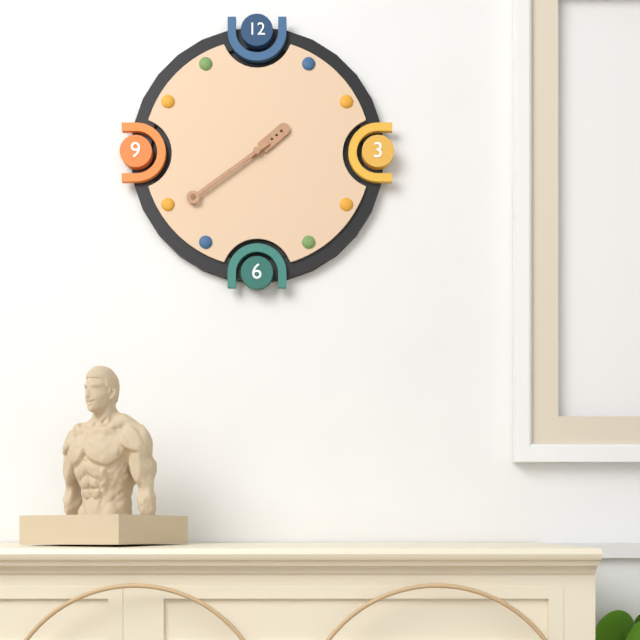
1:39
